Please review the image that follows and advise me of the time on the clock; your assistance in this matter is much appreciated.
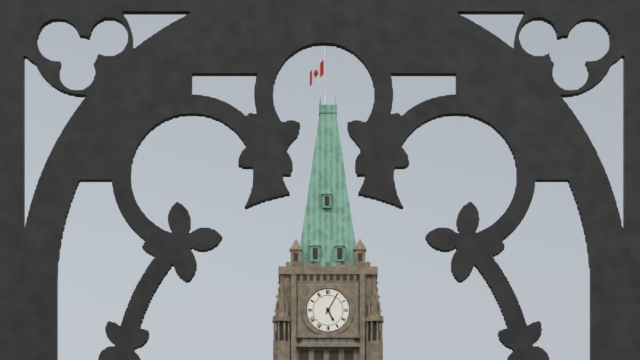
5:05
